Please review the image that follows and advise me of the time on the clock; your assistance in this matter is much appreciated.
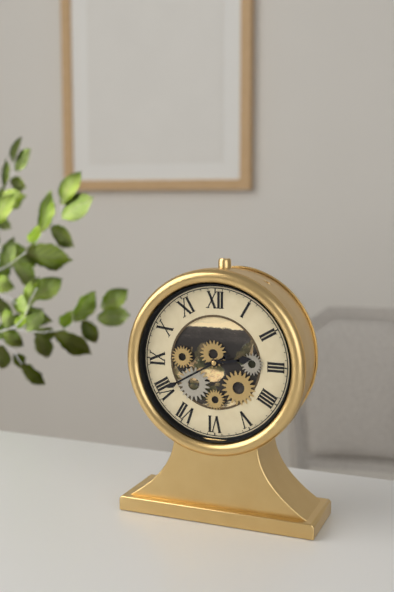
2:40
